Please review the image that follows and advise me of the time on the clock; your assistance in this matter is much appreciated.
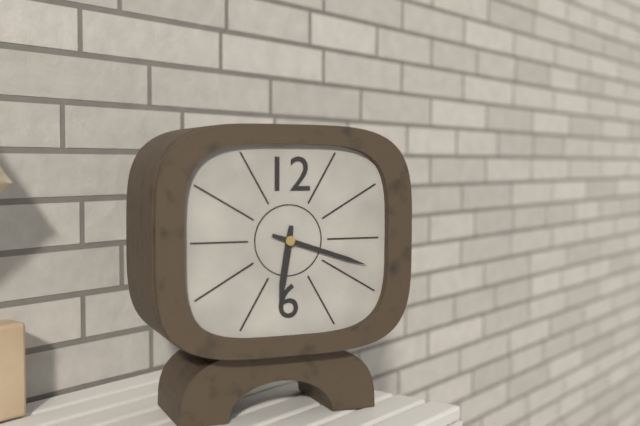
6:18
